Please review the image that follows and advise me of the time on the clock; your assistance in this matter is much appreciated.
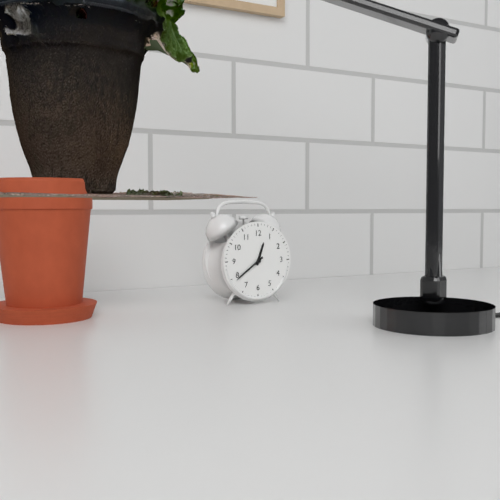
12:39
